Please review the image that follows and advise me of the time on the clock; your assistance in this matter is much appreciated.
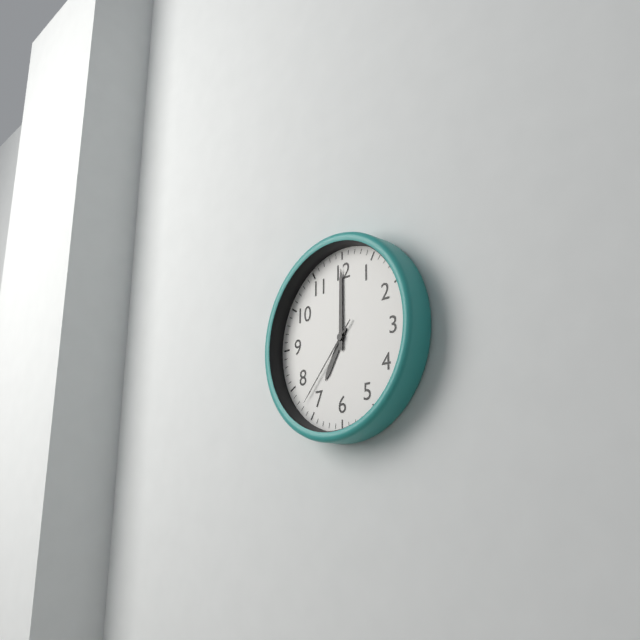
7:00:37
